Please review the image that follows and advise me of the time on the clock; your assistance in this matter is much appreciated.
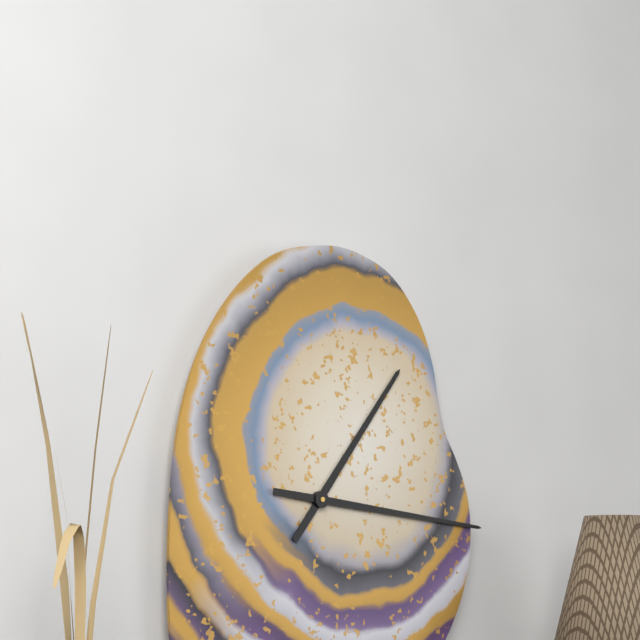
1:16
